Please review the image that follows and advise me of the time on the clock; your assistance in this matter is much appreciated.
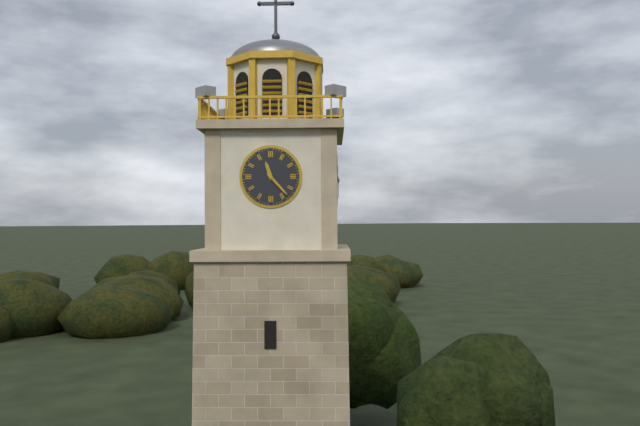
11:23
